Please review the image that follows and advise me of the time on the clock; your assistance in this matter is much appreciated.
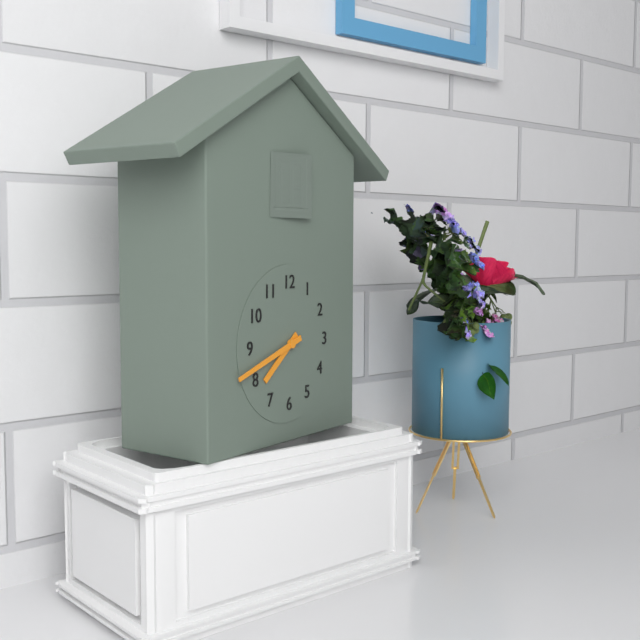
7:42
